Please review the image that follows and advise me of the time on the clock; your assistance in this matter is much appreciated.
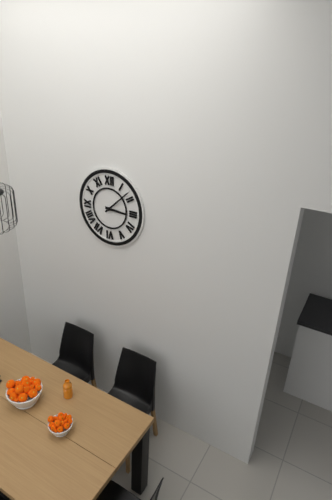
3:08
